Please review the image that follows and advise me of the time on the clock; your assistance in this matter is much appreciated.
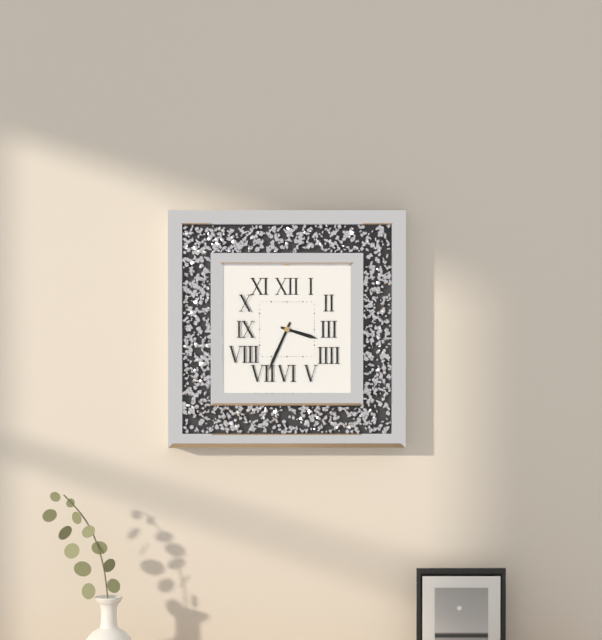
3:34
